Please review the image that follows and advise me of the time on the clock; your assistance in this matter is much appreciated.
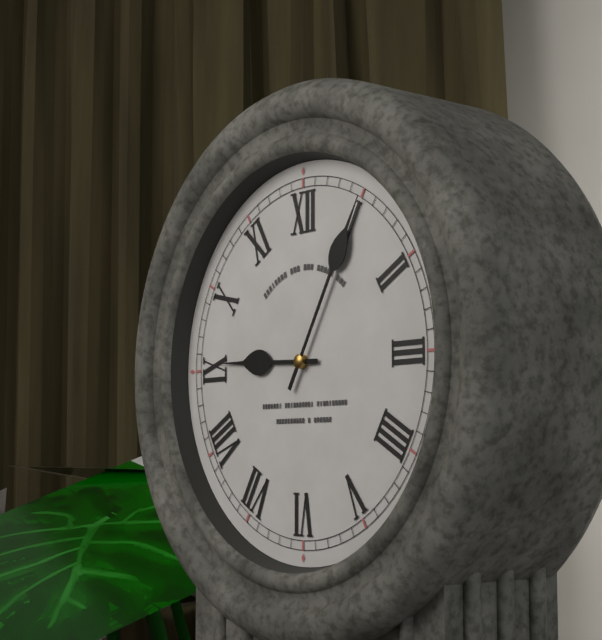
9:05
